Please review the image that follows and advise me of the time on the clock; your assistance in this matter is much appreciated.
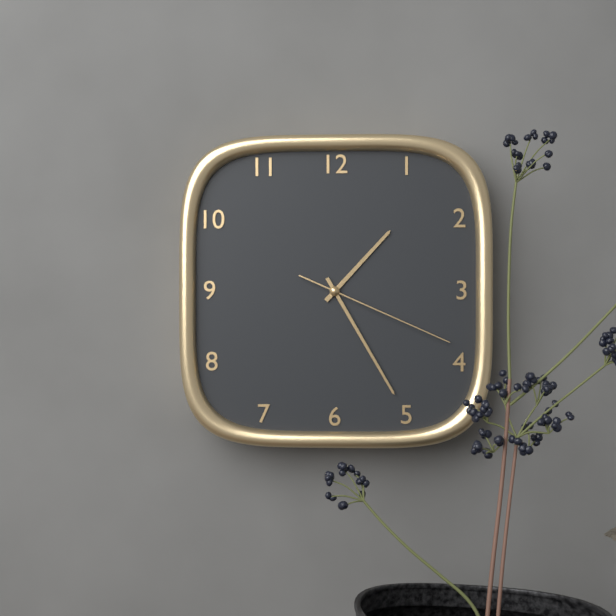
1:25:19
